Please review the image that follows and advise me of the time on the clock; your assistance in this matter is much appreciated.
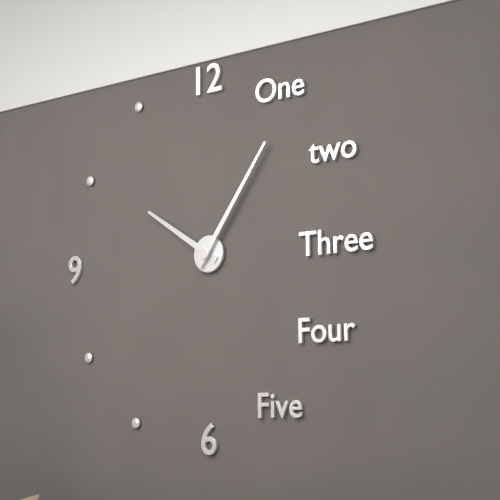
10:06
